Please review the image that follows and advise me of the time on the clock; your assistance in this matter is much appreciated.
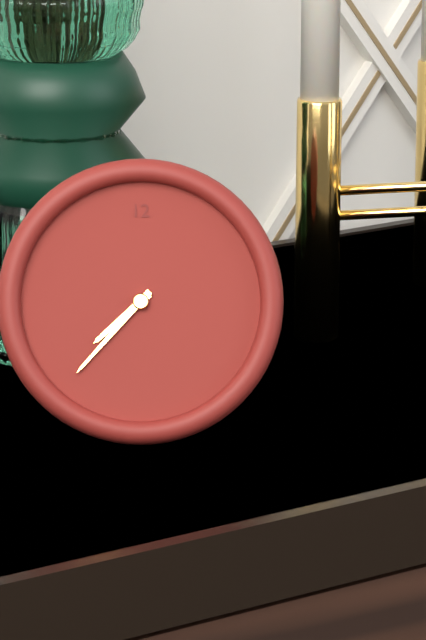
7:37
